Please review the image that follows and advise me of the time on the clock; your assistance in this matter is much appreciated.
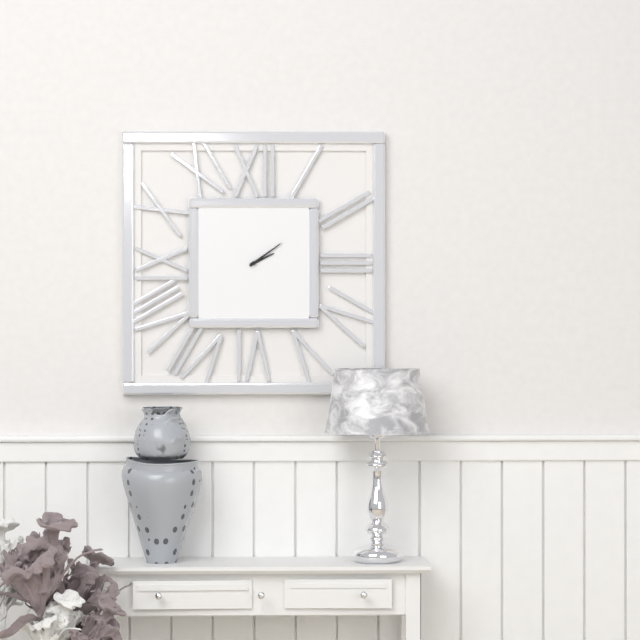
2:09
